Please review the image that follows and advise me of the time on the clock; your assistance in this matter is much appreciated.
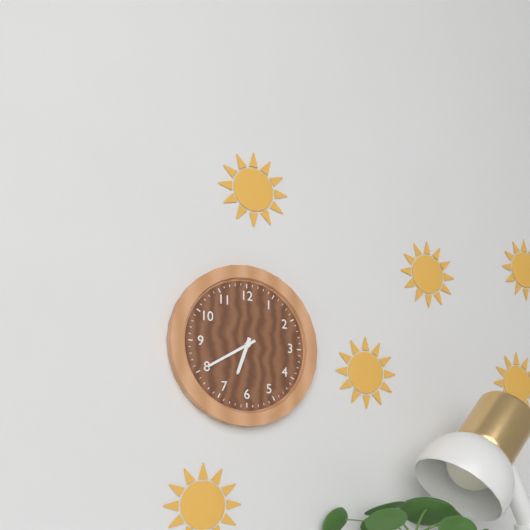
6:40
